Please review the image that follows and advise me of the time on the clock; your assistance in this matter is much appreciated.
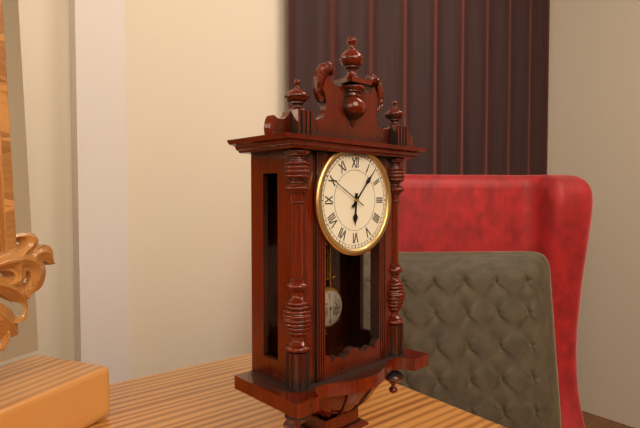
6:07
